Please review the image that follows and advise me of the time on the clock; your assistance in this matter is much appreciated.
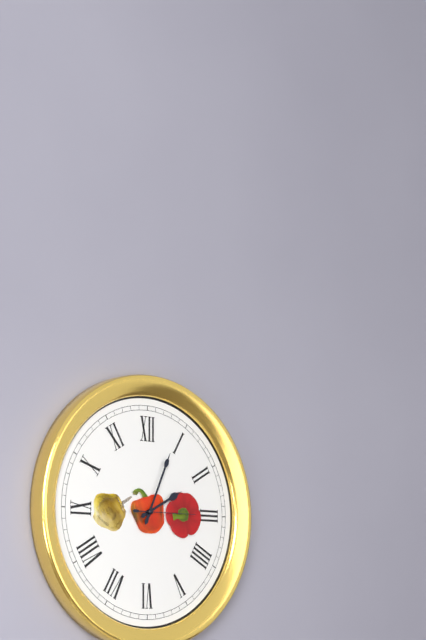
2:04:15
